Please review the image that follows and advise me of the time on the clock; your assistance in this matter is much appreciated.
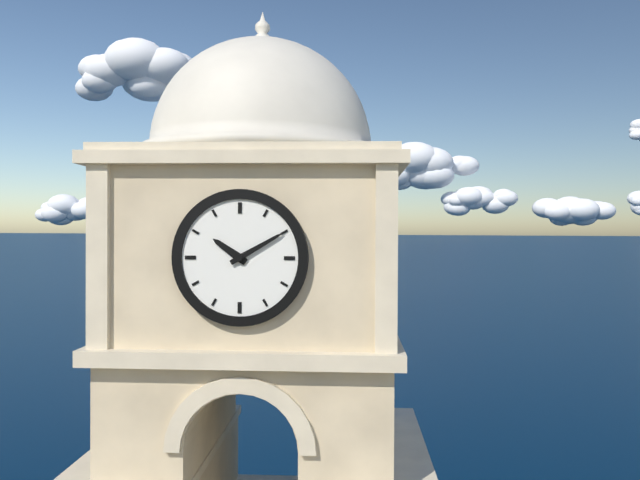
10:10
